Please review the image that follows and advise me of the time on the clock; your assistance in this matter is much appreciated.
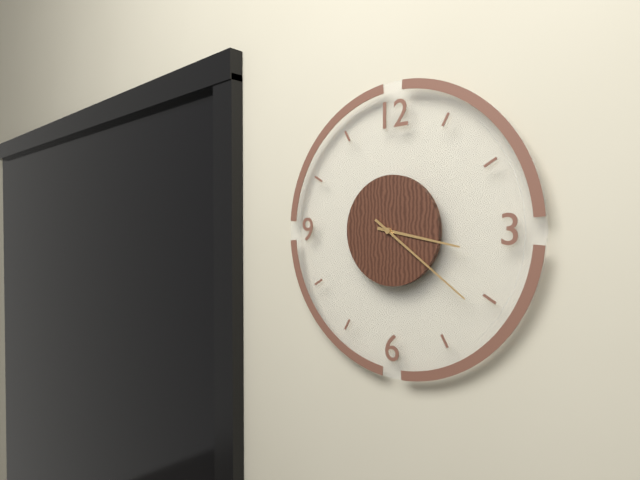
3:21
